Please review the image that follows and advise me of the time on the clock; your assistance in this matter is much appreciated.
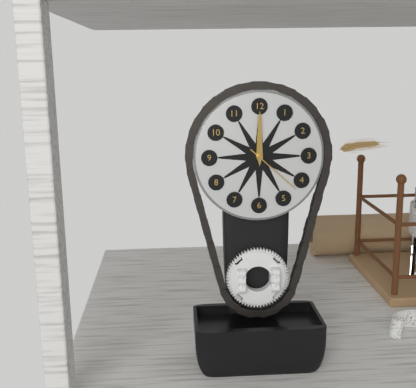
12:00:22
